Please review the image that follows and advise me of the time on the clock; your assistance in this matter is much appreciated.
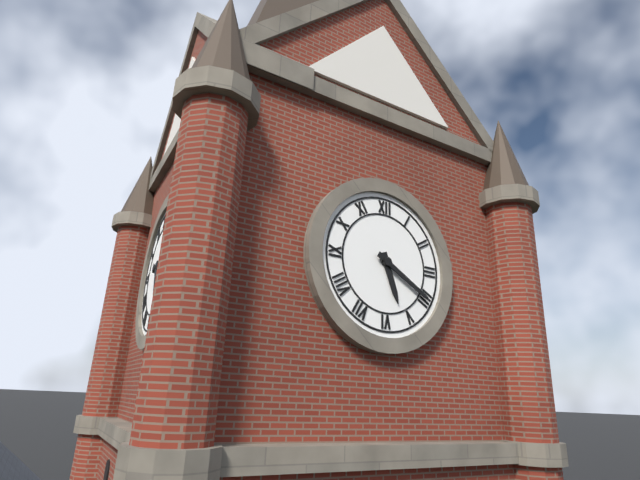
5:20
